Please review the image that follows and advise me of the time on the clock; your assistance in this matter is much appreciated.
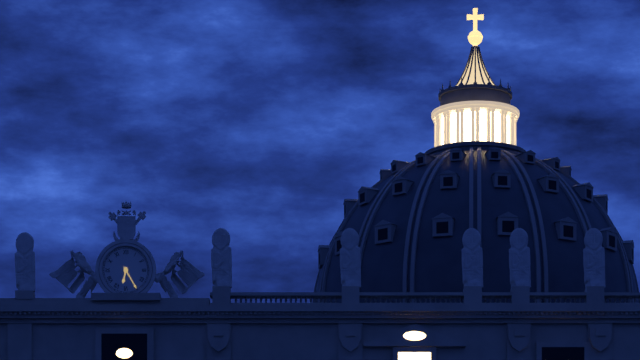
6:25
